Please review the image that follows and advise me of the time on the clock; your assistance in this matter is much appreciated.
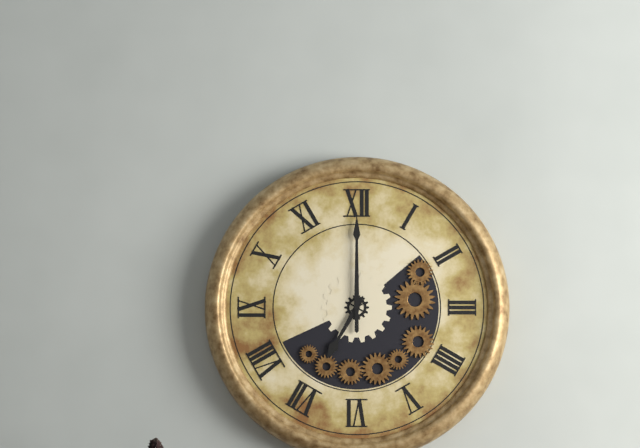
7:00
